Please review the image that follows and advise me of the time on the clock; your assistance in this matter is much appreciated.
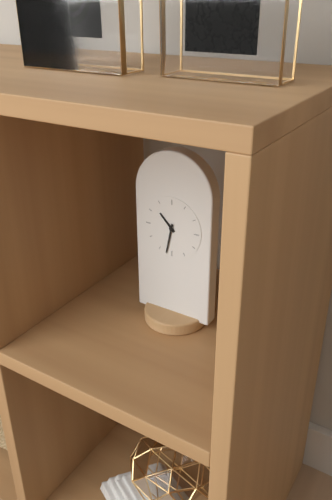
10:32
